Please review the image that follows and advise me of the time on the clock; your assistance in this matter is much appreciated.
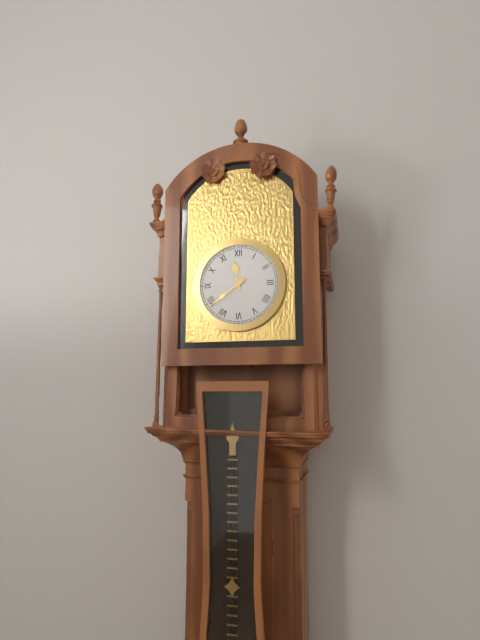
11:39
